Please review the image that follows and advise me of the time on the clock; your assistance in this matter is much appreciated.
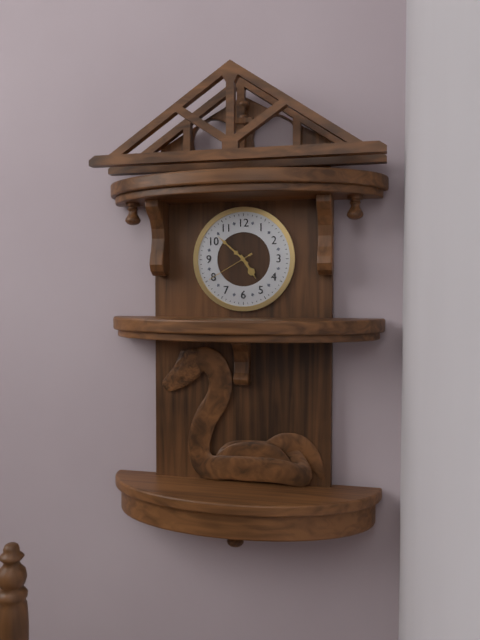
4:52:40
